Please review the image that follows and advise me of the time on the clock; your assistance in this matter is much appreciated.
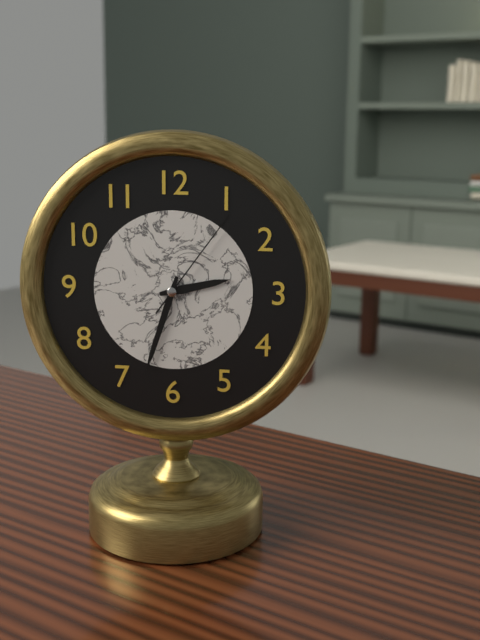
2:33:06
